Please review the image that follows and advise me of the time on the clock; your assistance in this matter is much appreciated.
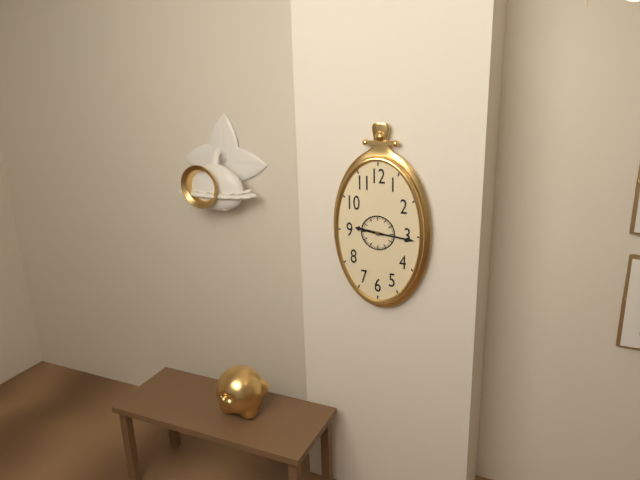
9:16
